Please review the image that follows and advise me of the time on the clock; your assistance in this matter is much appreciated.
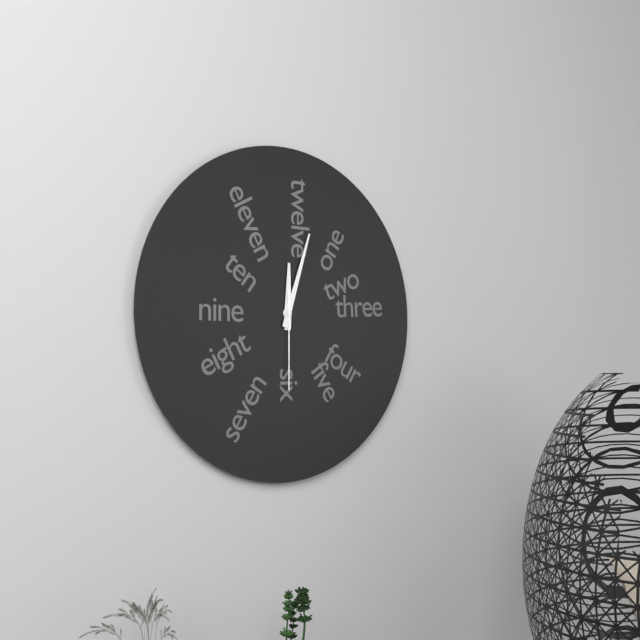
12:03:30
